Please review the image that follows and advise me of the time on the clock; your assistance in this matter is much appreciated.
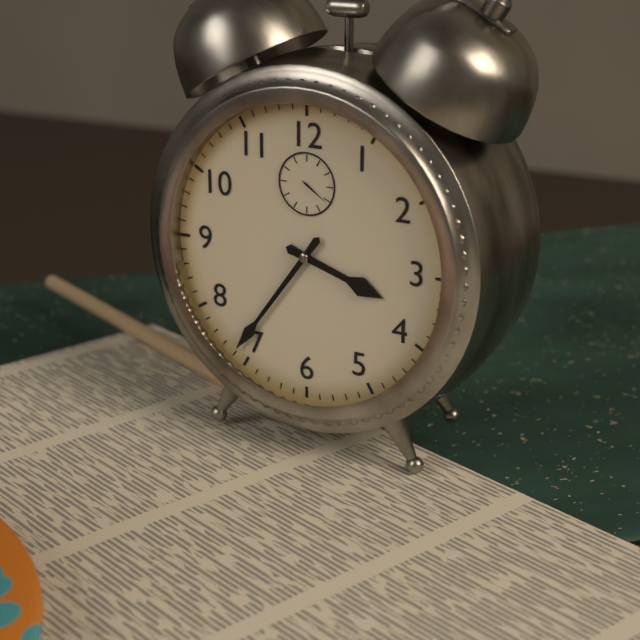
3:36
